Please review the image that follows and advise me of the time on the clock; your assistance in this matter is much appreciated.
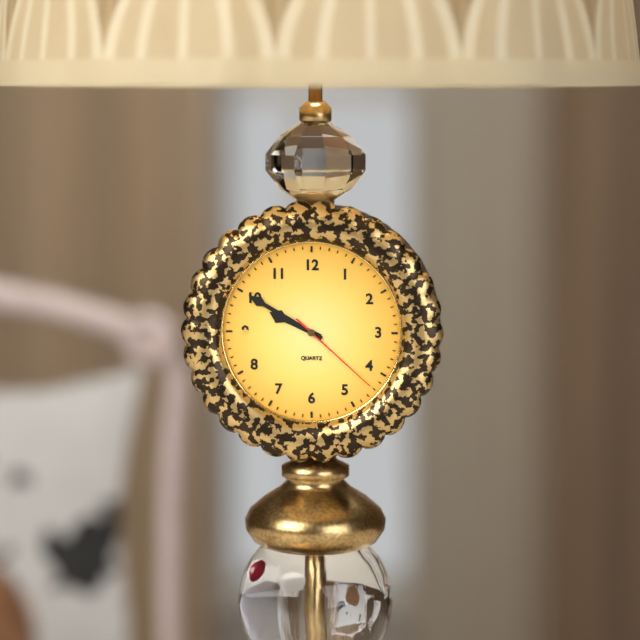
9:50:22
